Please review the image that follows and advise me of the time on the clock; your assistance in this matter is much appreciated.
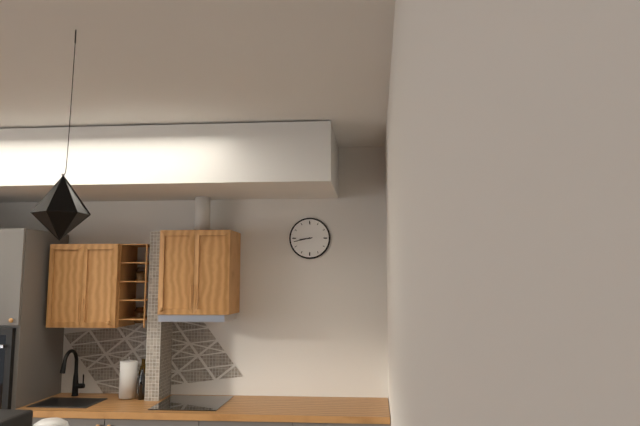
8:43
